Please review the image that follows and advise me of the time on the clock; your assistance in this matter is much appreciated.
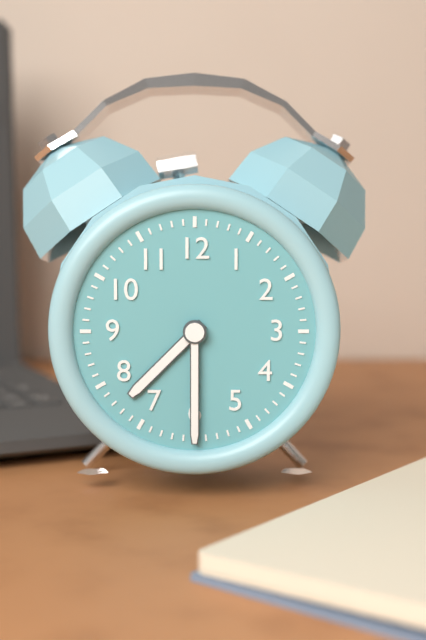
7:30
